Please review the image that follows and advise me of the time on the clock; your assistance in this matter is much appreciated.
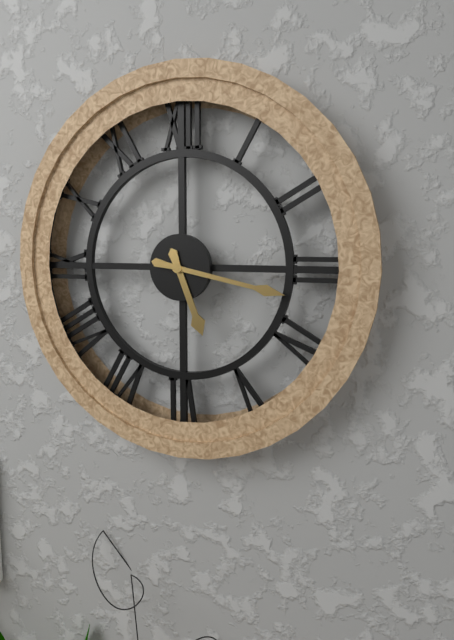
5:17
